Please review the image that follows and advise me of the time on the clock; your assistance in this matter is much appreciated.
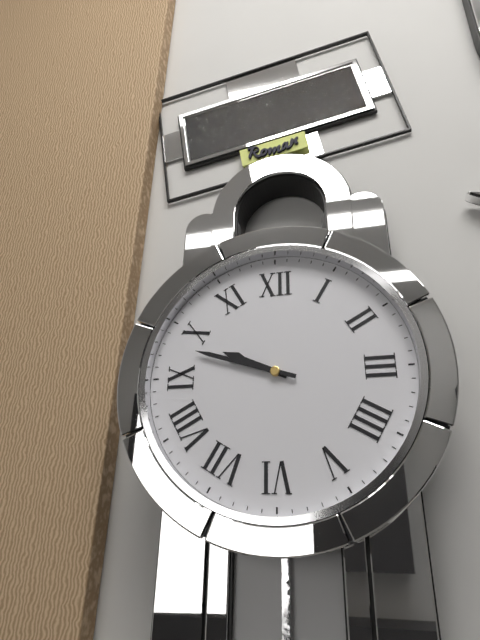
9:48
